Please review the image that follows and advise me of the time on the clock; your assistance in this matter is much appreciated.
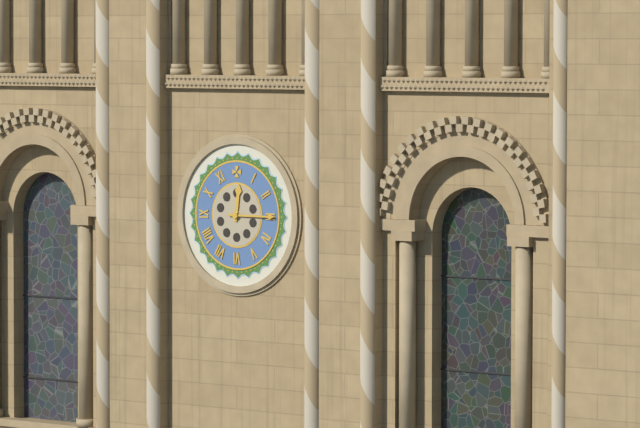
12:15
